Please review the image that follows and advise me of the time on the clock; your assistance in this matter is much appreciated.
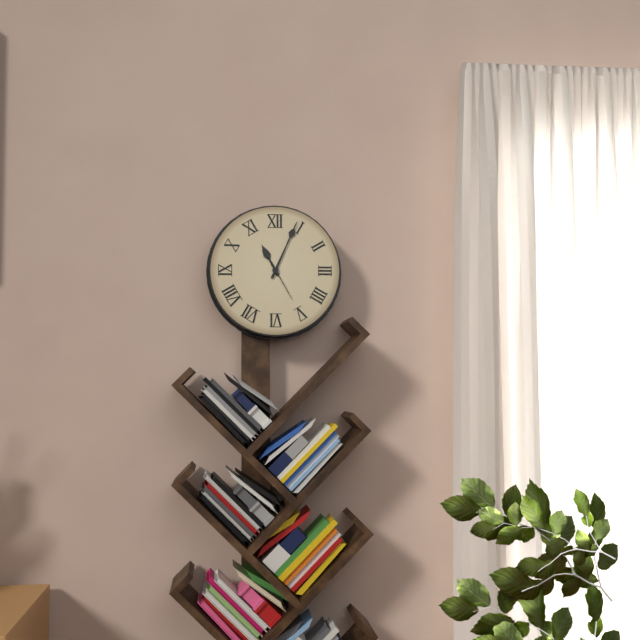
11:04
